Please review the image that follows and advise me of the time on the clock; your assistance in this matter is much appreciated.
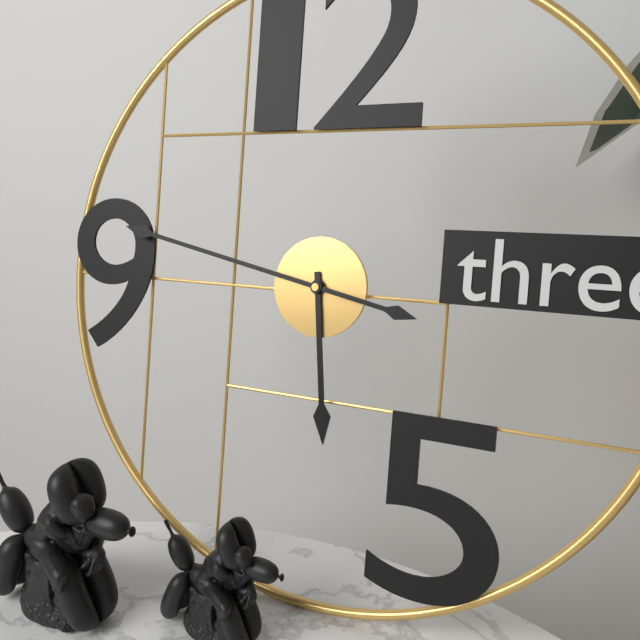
5:47
